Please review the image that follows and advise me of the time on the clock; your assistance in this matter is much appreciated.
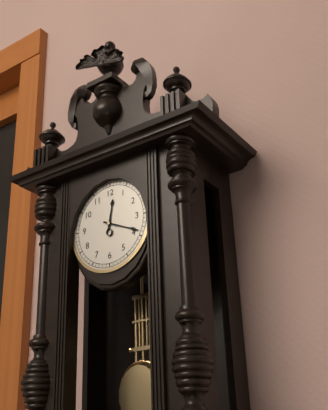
12:19
